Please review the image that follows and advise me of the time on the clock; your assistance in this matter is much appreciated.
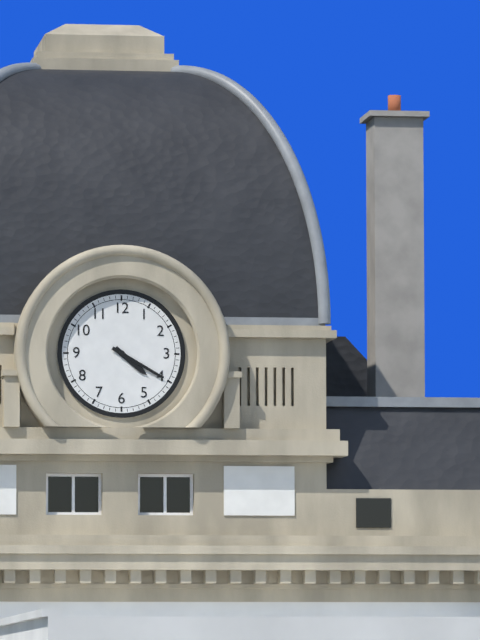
4:20
